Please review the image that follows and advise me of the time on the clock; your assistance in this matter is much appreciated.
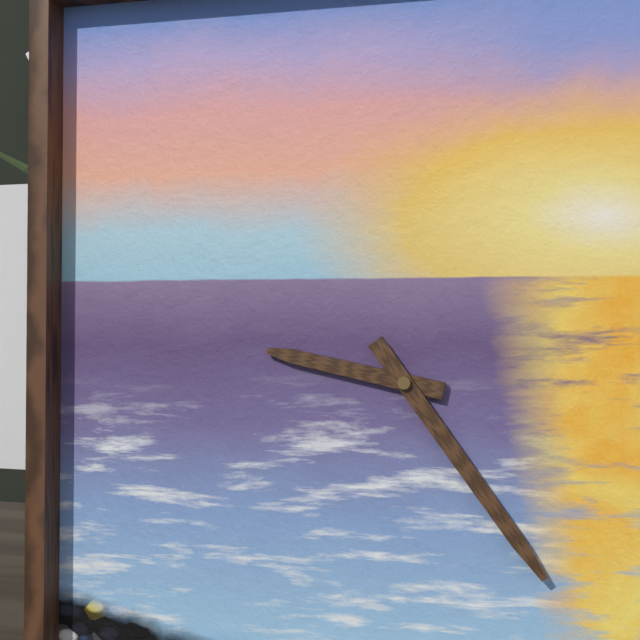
9:24
